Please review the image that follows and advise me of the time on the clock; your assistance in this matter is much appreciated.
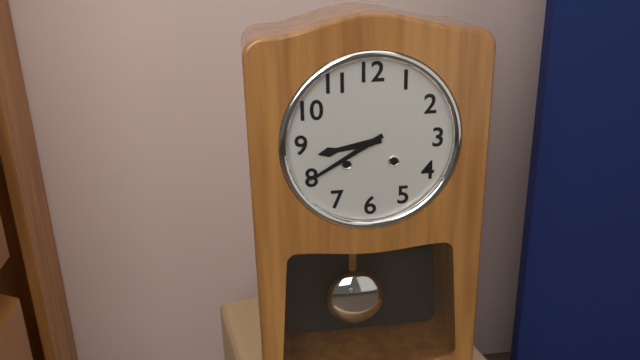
8:40
